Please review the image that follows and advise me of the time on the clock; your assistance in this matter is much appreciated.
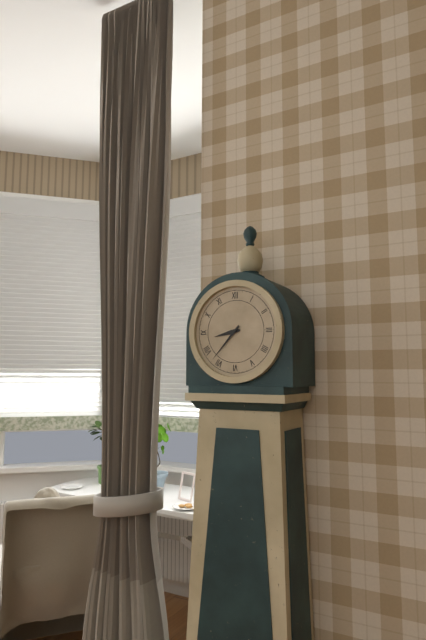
8:37
